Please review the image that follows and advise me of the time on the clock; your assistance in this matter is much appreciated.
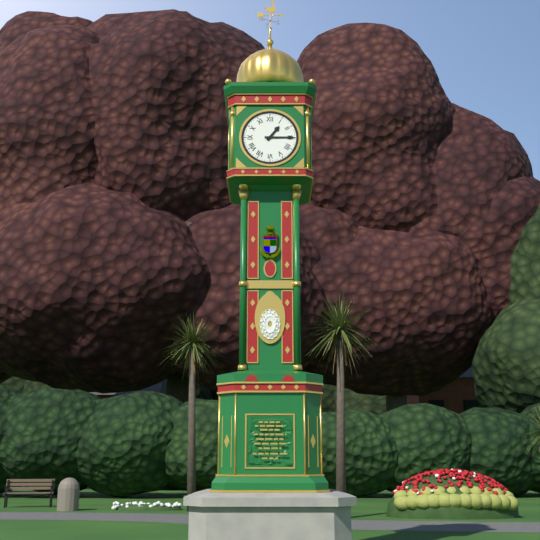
1:15
